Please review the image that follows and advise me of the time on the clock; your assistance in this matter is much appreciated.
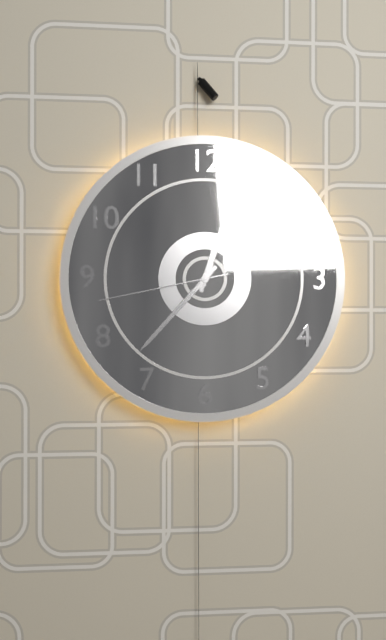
12:37:43
